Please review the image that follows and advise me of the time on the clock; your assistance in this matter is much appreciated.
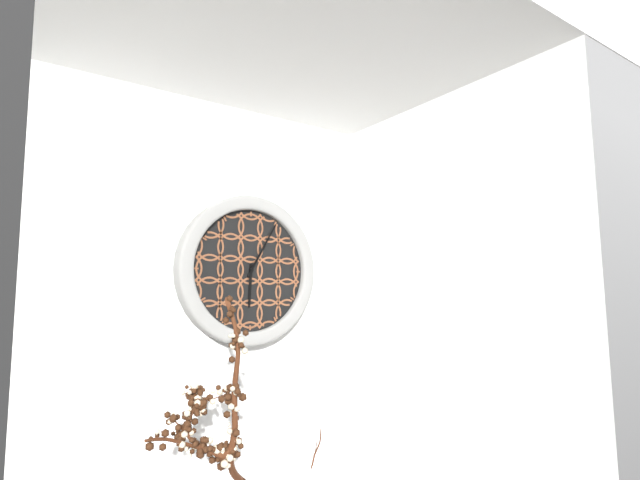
6:05
